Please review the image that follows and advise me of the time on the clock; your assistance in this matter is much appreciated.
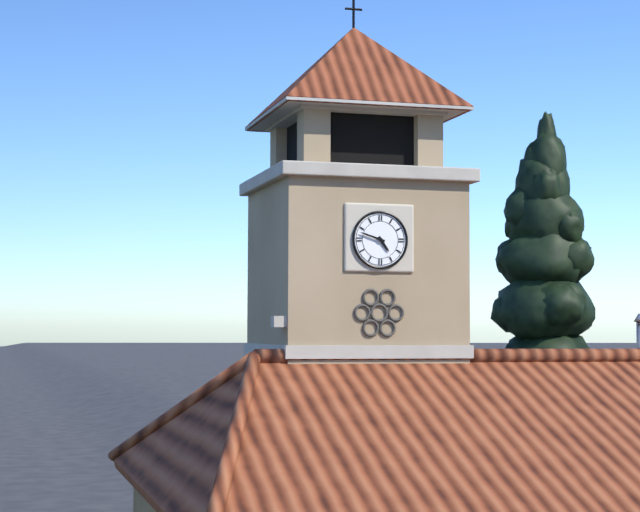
4:48
